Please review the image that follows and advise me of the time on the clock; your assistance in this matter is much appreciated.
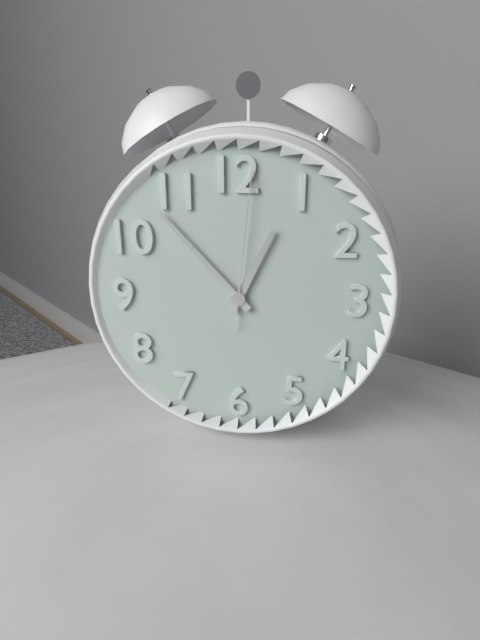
12:53:01
